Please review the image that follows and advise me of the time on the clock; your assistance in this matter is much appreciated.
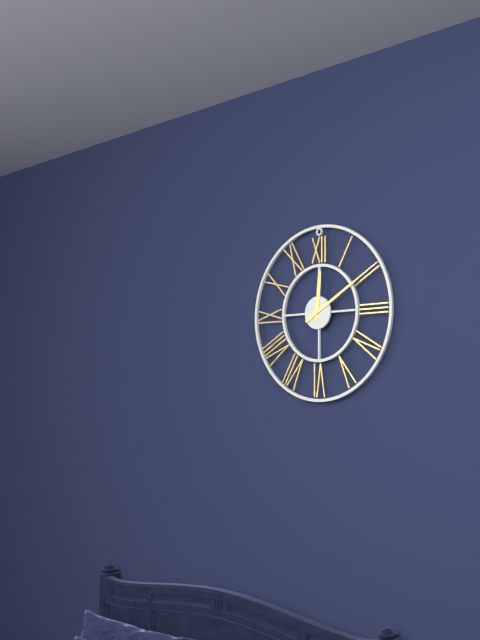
12:10
